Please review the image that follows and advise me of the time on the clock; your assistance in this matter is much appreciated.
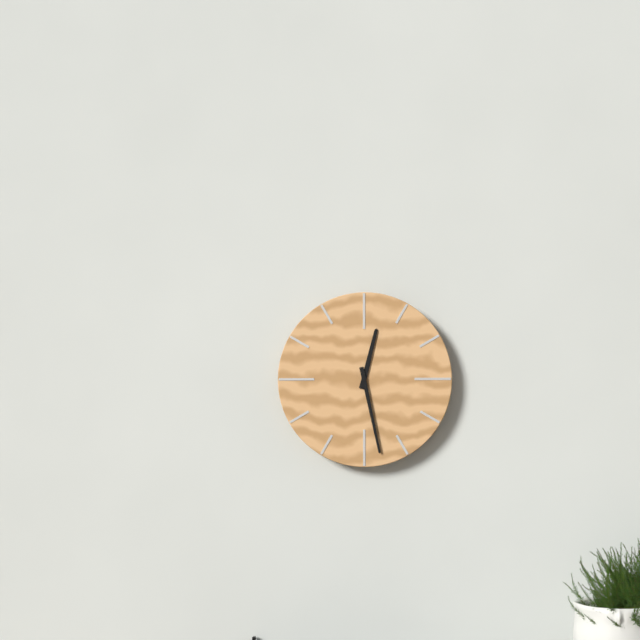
12:28
